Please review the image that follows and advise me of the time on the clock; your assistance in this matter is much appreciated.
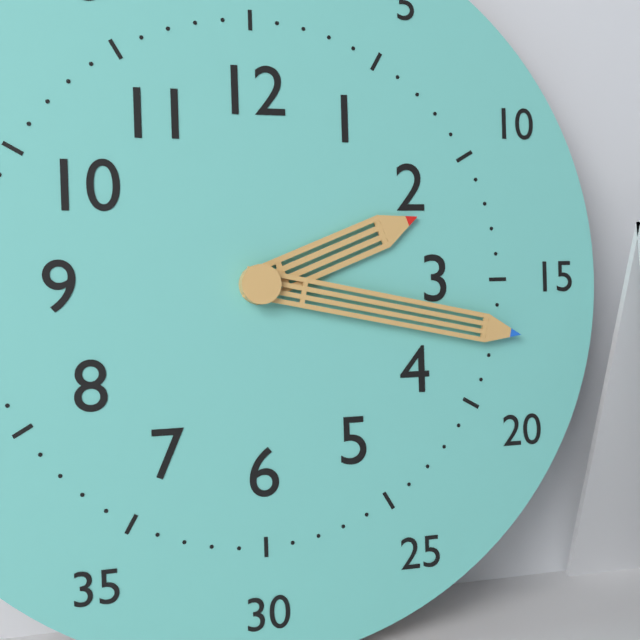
2:17
